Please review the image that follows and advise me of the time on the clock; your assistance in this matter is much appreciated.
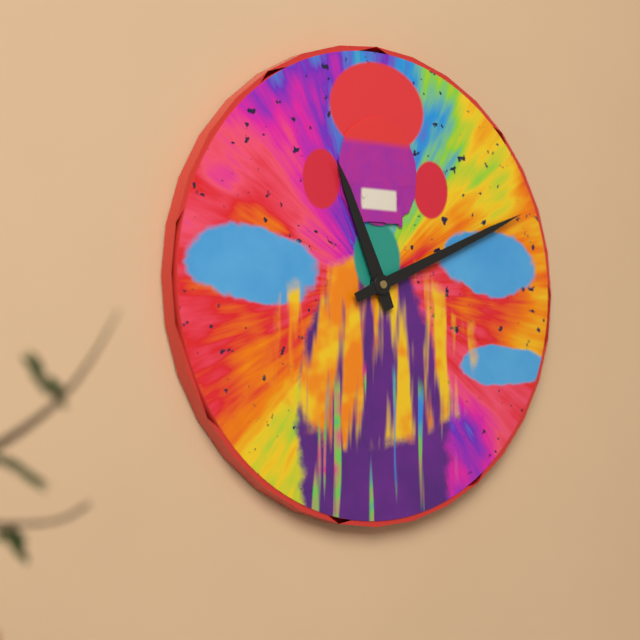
11:11
